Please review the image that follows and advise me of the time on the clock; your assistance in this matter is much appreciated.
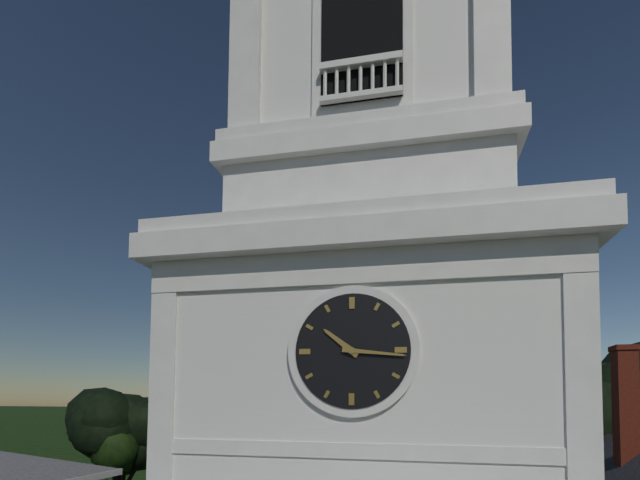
10:16
